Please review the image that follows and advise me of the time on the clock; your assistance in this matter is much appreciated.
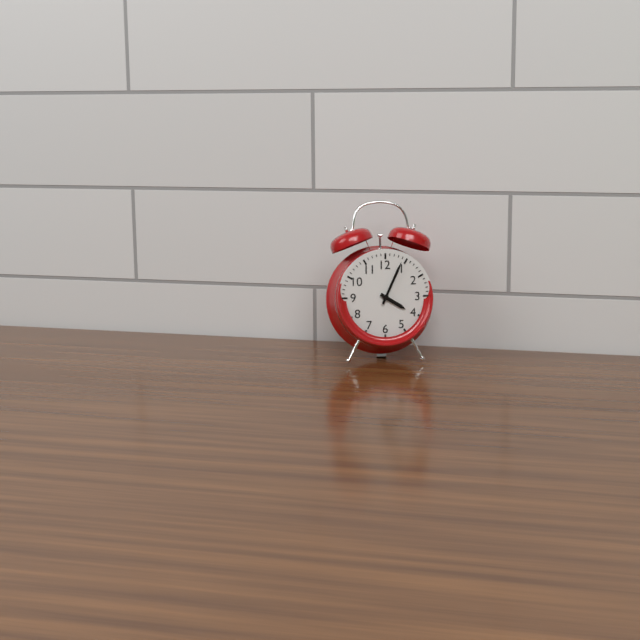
4:04
